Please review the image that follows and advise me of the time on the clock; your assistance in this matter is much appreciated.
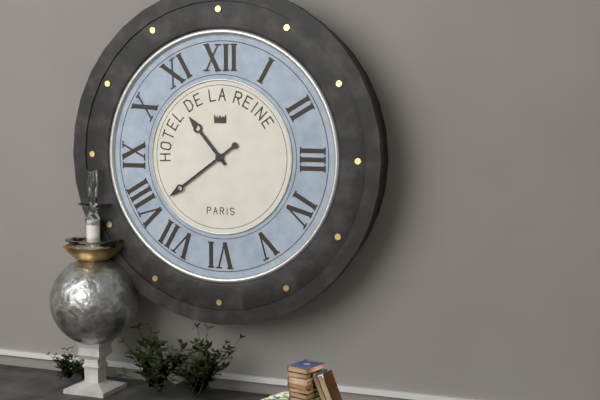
10:39
